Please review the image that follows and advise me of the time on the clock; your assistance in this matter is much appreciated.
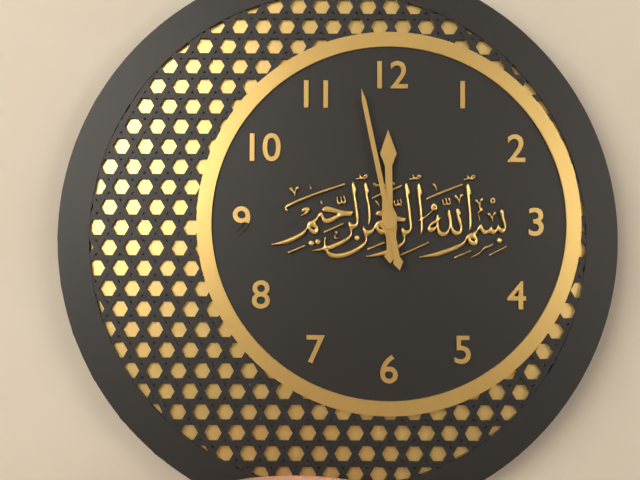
11:58
